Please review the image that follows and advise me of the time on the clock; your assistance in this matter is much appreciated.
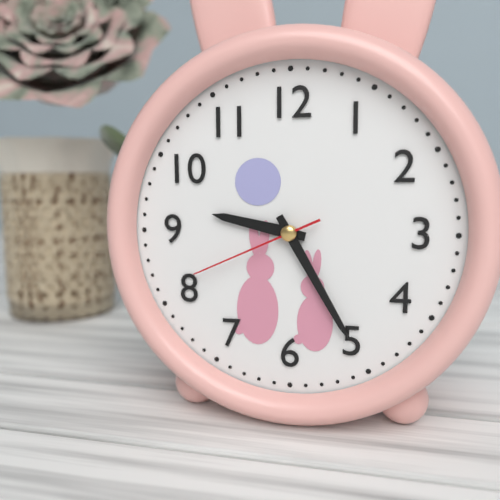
9:25:41
